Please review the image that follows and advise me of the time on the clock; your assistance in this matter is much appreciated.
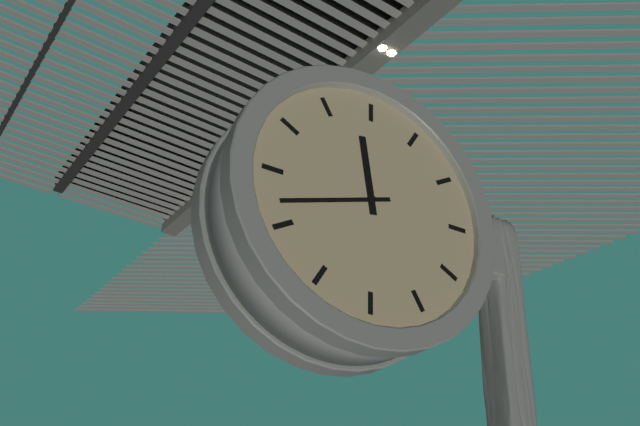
11:42
